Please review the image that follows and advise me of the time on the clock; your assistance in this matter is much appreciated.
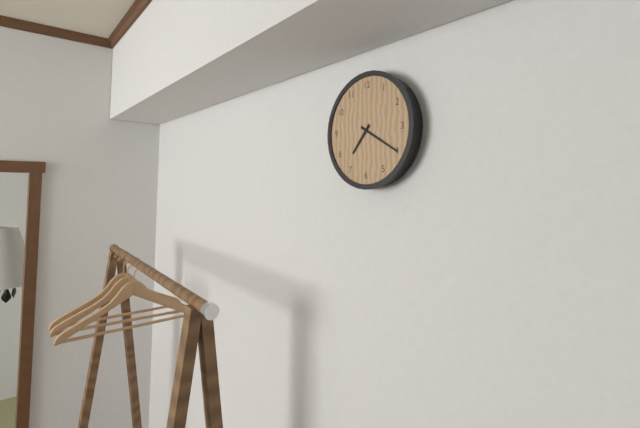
7:20
